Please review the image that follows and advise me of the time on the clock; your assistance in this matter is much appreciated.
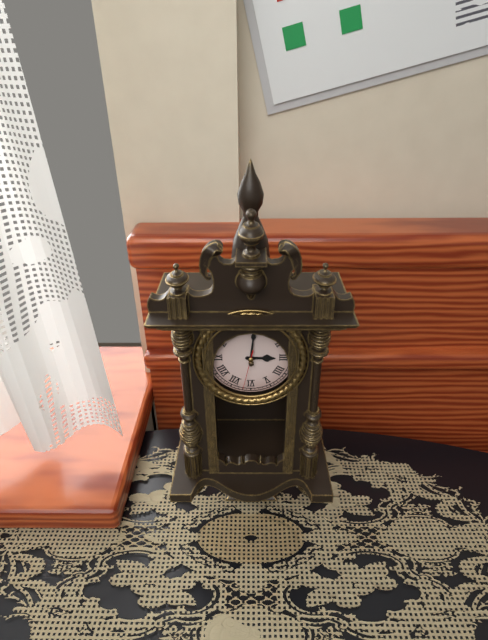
3:01
